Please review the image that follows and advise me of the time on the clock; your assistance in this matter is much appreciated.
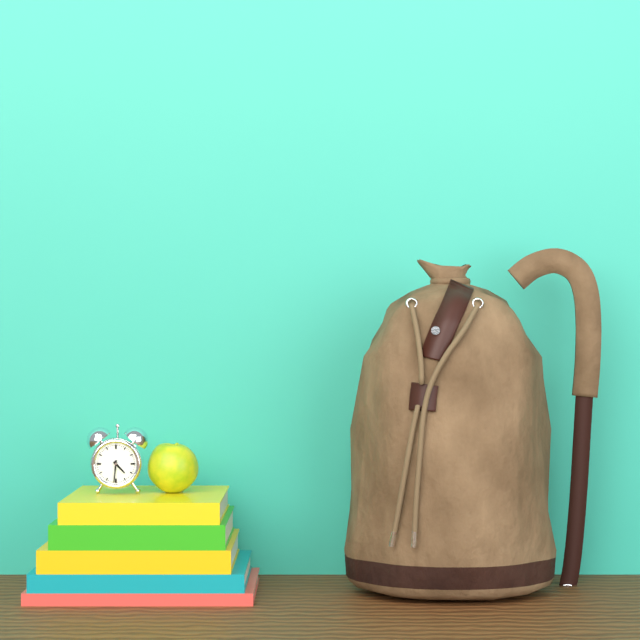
4:31
